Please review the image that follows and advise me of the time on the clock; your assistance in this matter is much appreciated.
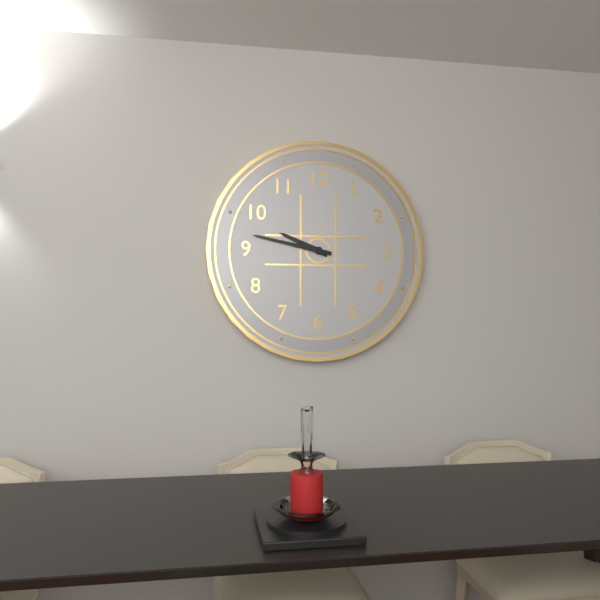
9:47
